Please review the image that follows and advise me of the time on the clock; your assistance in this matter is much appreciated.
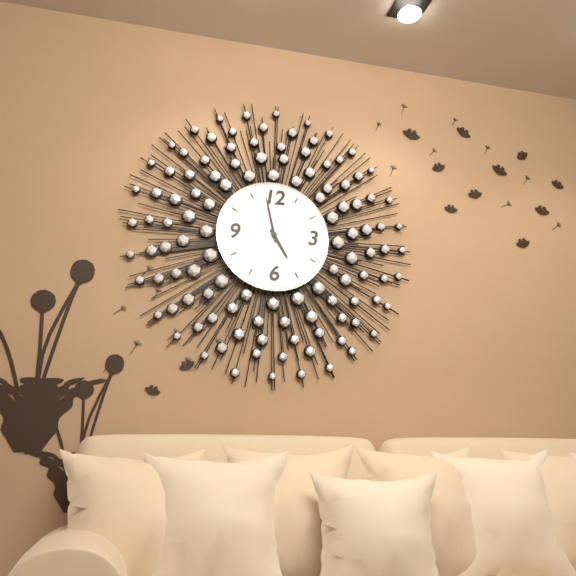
4:58:48
